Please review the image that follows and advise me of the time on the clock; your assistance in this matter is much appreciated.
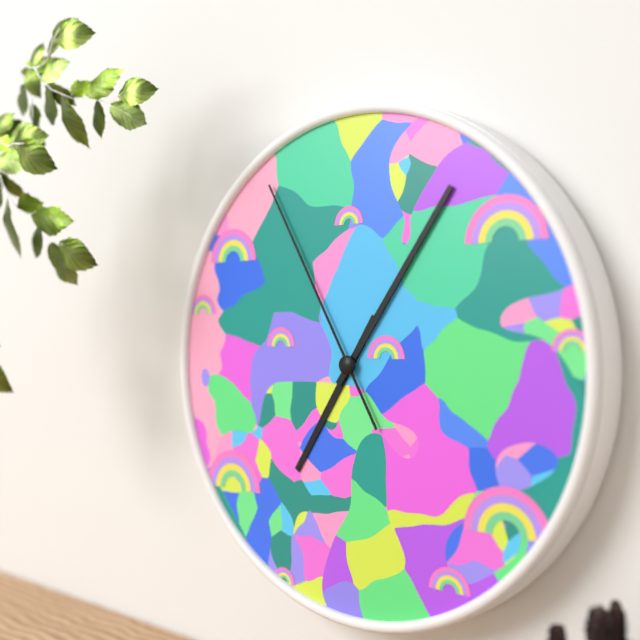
7:06:55
